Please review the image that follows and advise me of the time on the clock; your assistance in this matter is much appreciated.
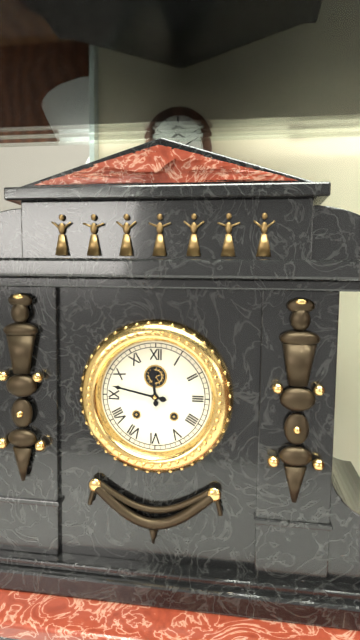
11:47
